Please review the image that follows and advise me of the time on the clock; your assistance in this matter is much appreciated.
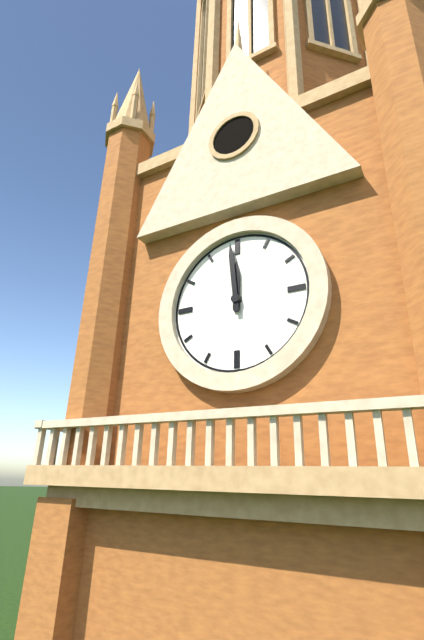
11:59
